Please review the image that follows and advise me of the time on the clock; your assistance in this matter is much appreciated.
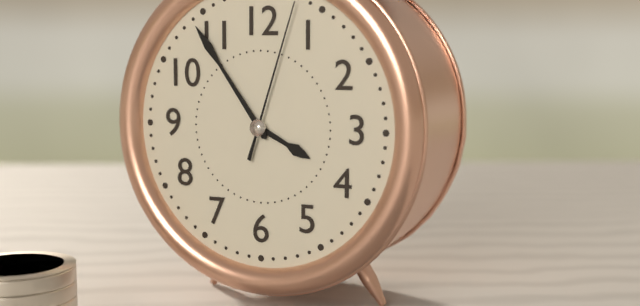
3:54:03
